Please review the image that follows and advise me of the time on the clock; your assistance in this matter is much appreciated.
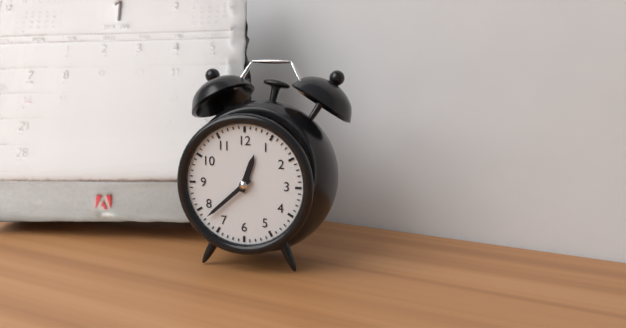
12:38
